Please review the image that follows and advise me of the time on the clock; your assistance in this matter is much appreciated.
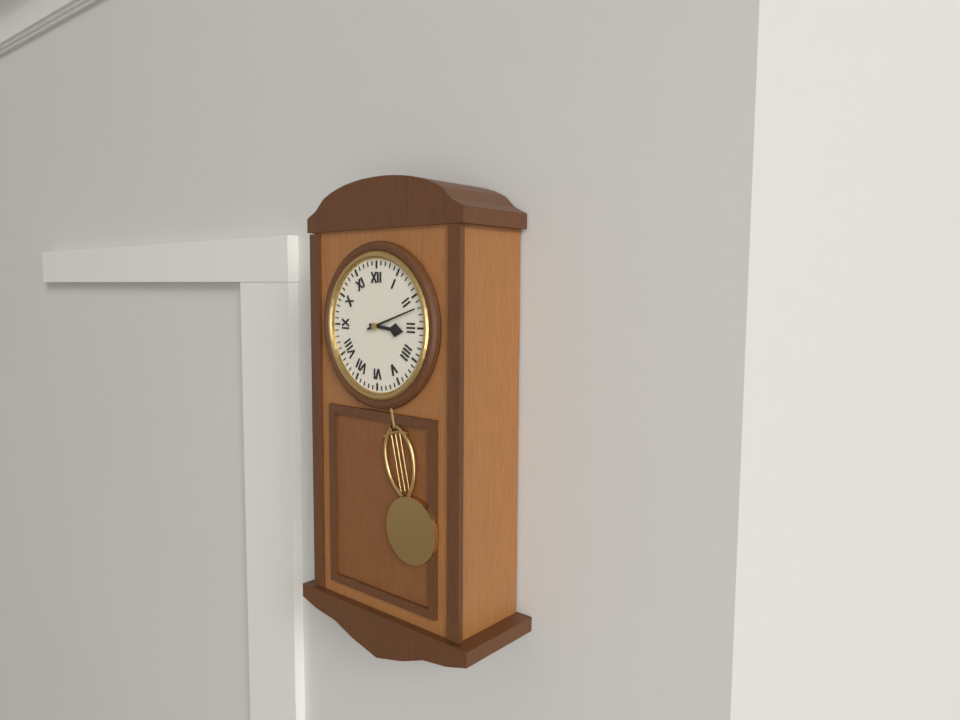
3:12
